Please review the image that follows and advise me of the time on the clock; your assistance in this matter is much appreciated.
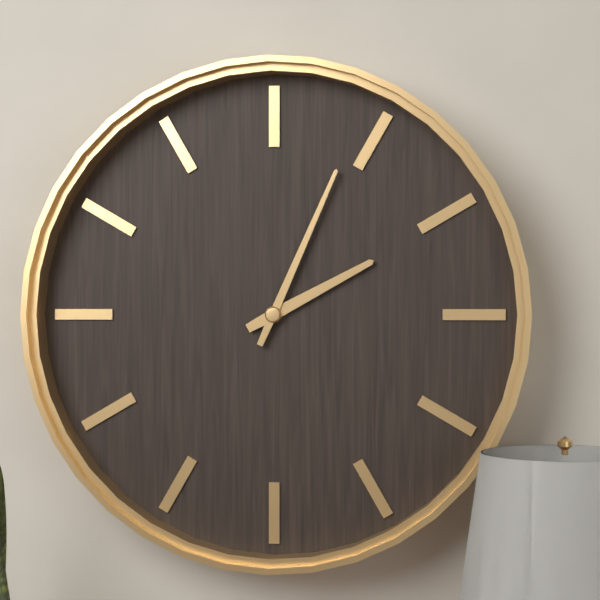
2:04
